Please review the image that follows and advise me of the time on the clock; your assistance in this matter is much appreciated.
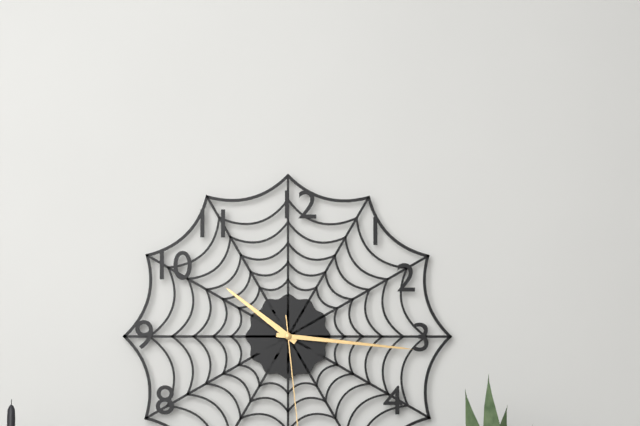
10:16
